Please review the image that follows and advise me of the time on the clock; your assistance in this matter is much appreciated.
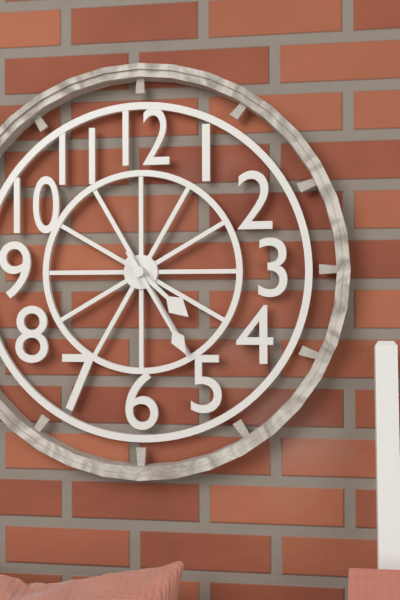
4:25
